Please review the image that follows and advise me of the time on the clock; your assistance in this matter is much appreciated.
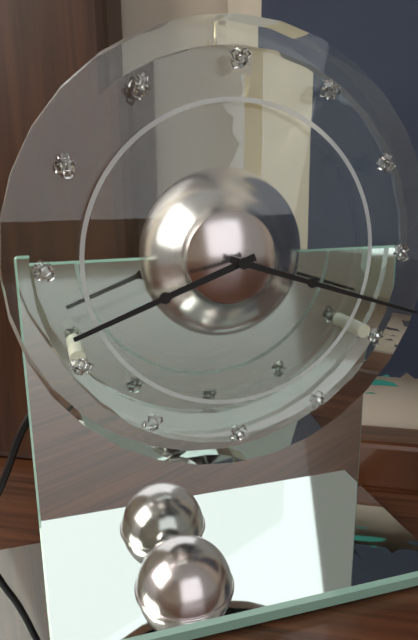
8:18
